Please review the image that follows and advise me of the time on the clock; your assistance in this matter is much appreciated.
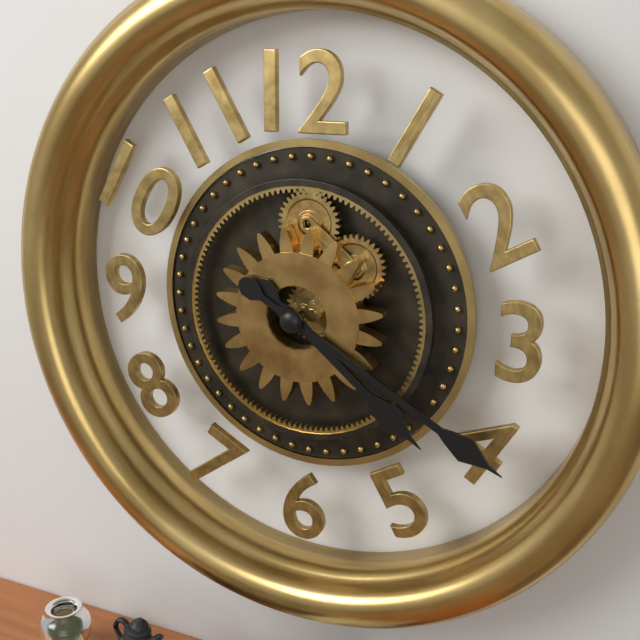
4:20
